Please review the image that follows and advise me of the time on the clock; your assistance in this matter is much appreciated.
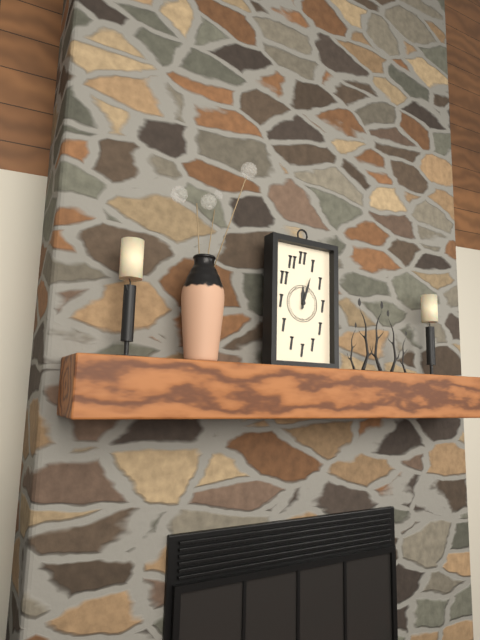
12:03
